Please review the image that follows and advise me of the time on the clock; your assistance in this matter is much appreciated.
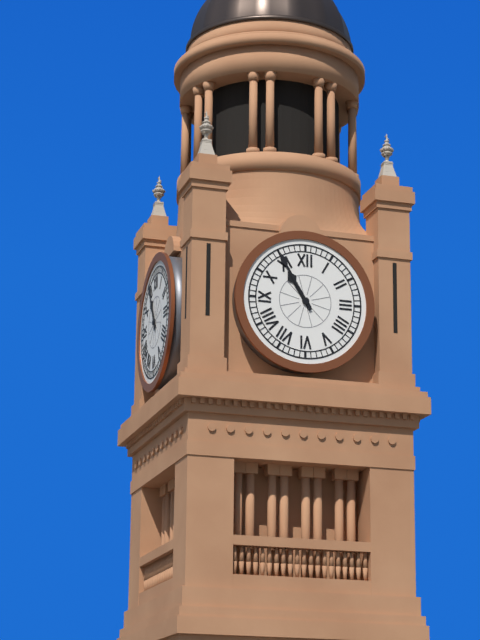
10:55
